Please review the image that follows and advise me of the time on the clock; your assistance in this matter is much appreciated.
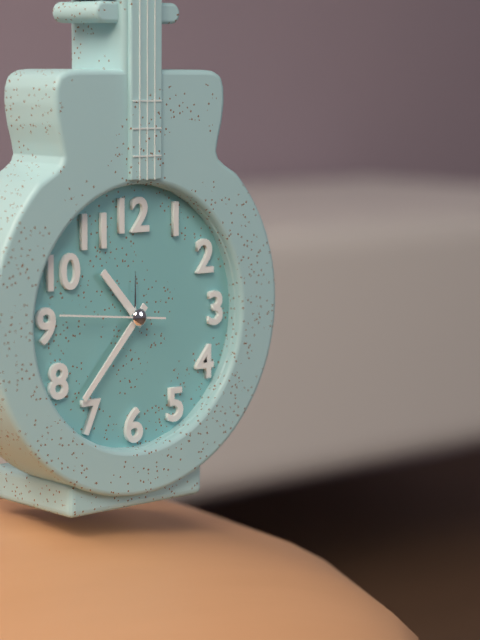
10:37:46
